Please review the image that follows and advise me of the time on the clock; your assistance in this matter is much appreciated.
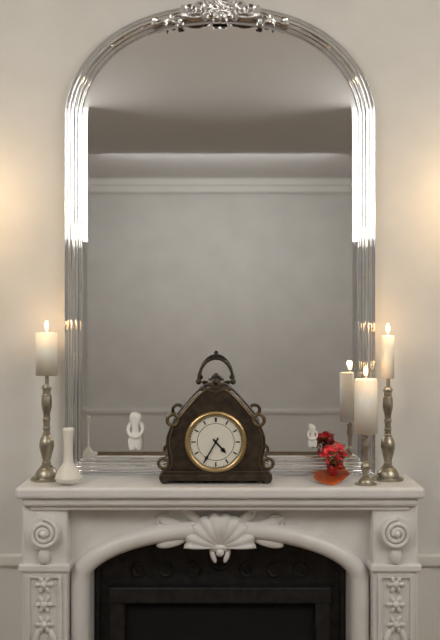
4:35
